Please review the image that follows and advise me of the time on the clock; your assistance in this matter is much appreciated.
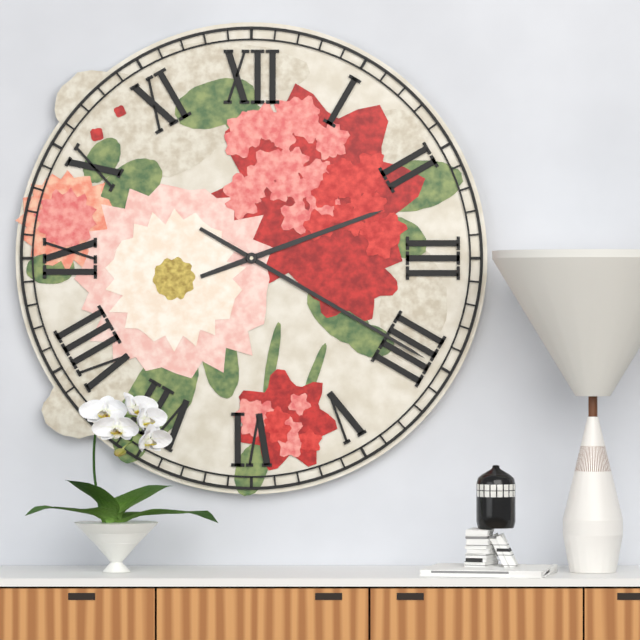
2:20
